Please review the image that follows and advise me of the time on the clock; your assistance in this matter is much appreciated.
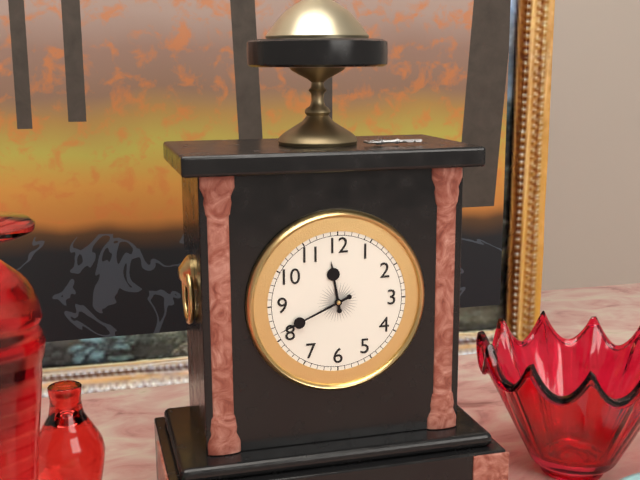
11:41
